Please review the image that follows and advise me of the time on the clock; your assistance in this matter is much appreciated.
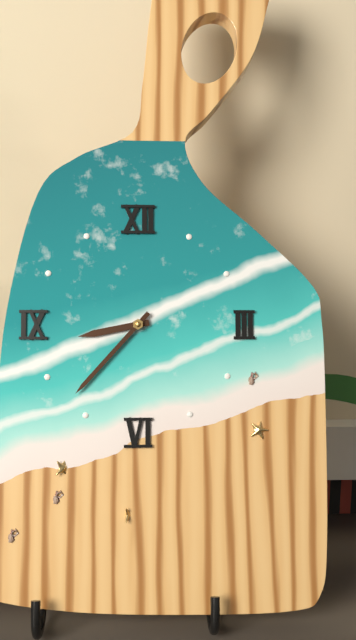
8:37
